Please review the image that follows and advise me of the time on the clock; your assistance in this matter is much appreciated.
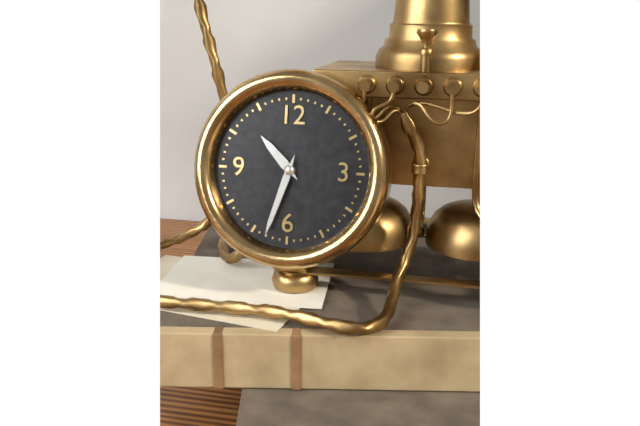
10:33
